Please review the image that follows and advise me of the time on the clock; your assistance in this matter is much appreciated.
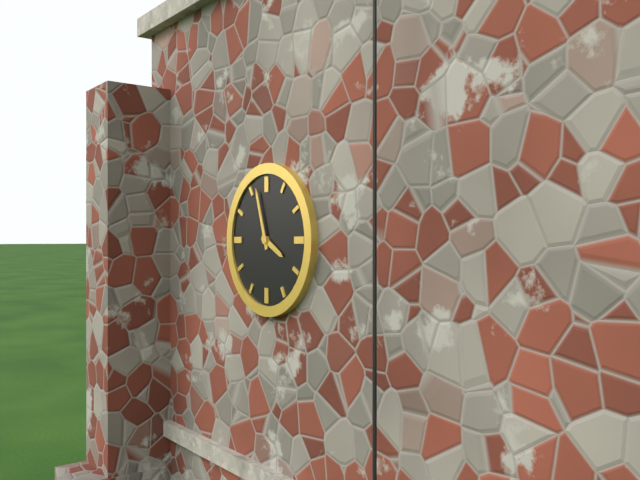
3:57
